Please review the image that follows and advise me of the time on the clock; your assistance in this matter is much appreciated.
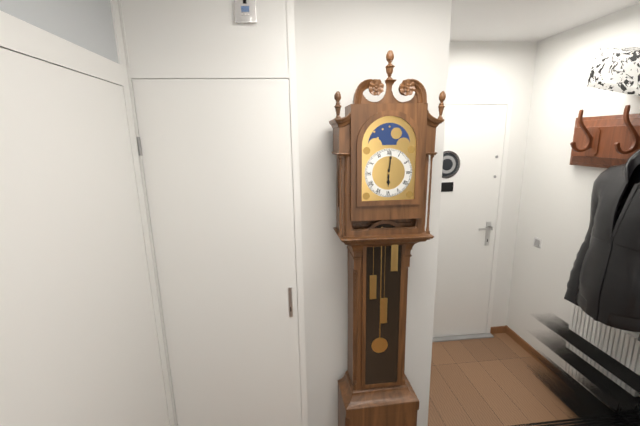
6:01
